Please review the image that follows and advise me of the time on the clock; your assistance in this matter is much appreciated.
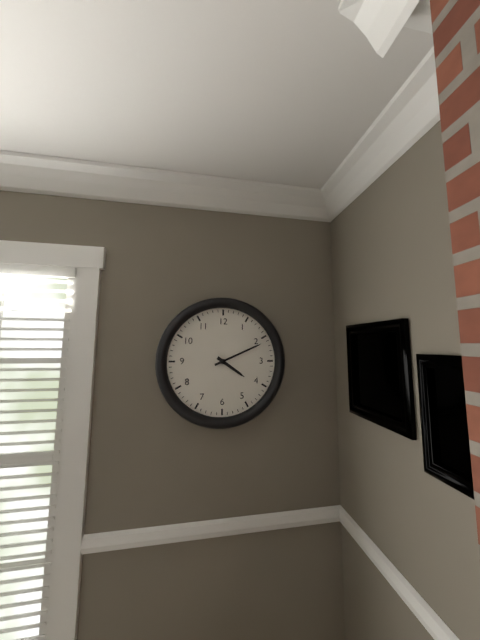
4:11
